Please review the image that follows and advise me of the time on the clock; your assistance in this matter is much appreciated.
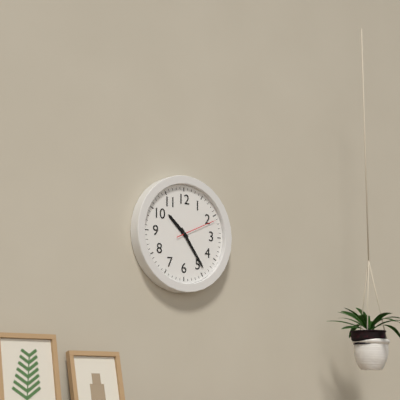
10:24
